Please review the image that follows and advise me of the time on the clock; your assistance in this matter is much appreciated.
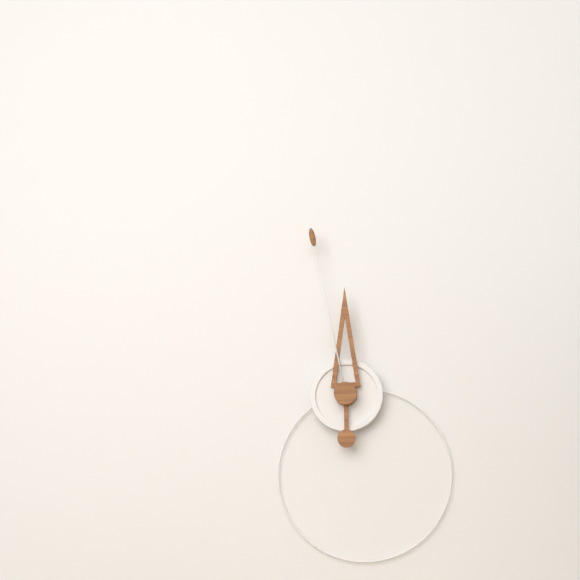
11:58
